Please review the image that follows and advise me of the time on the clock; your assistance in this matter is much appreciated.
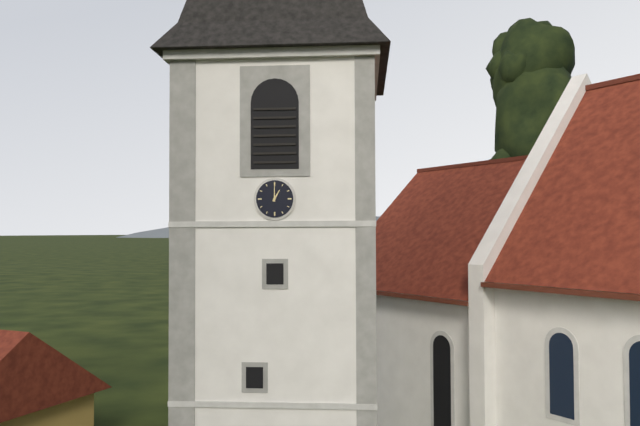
1:00
